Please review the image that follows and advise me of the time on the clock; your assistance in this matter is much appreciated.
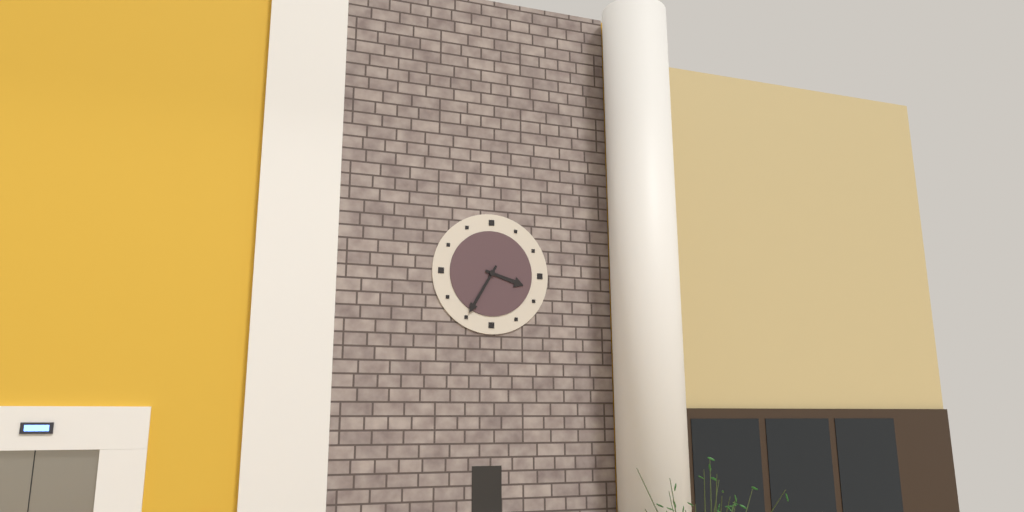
3:35
